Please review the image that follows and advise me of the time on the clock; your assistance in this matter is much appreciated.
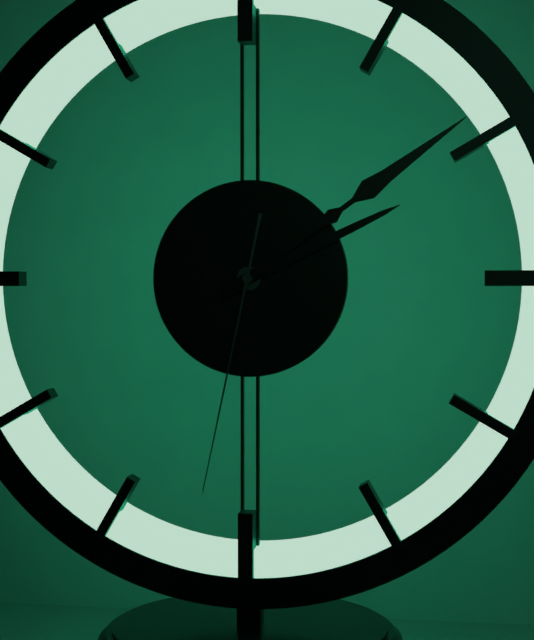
2:09:32
